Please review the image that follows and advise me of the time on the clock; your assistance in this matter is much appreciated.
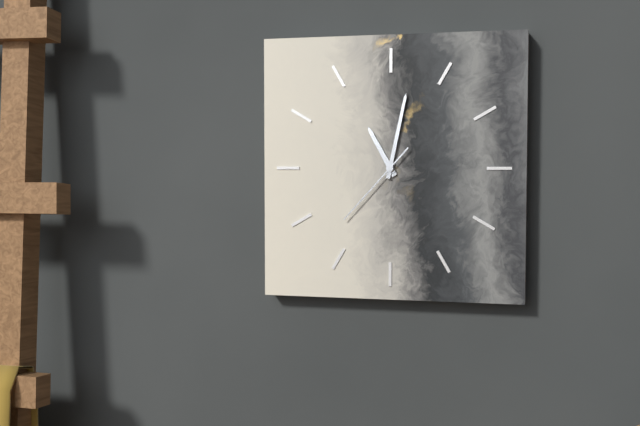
11:02:37
